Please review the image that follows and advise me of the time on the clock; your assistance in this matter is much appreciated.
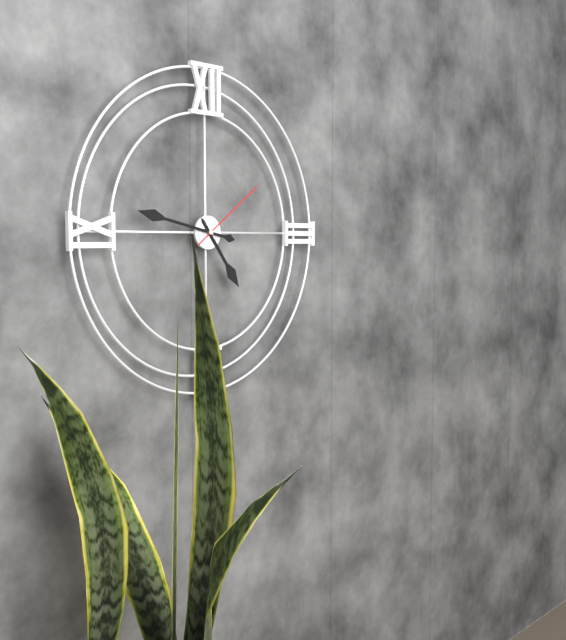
4:47:09
